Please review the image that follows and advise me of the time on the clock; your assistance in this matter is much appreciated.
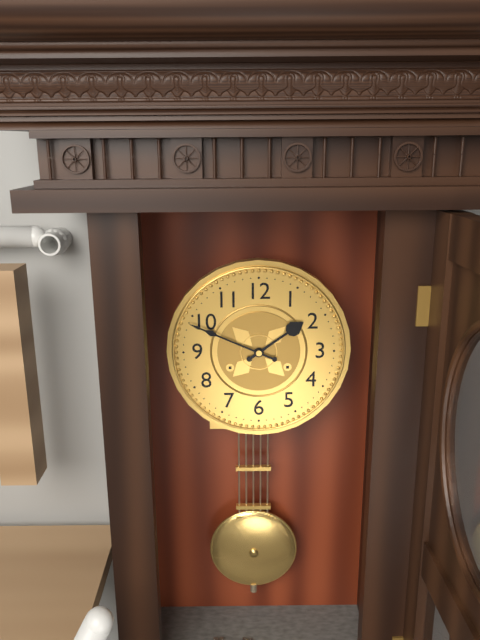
1:49
